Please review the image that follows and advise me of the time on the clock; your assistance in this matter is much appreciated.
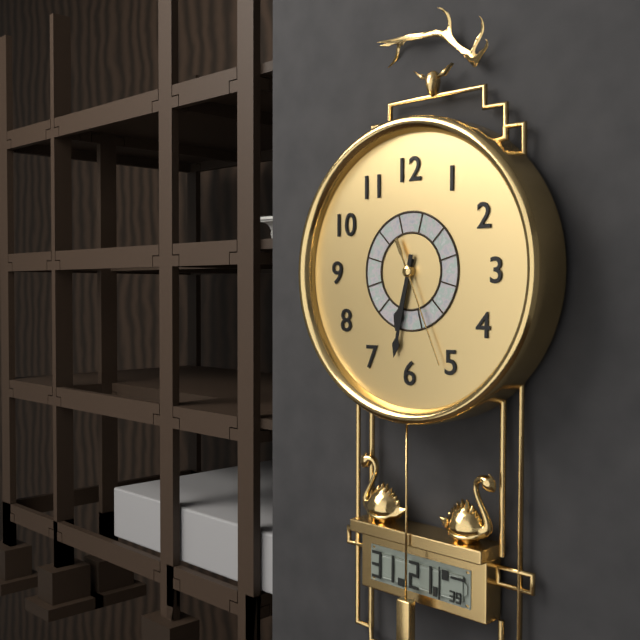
6:32:26
